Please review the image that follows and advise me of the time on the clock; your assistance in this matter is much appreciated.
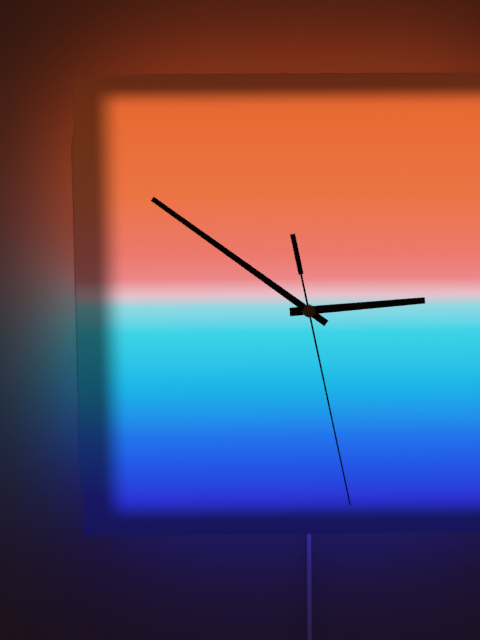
2:51:28
